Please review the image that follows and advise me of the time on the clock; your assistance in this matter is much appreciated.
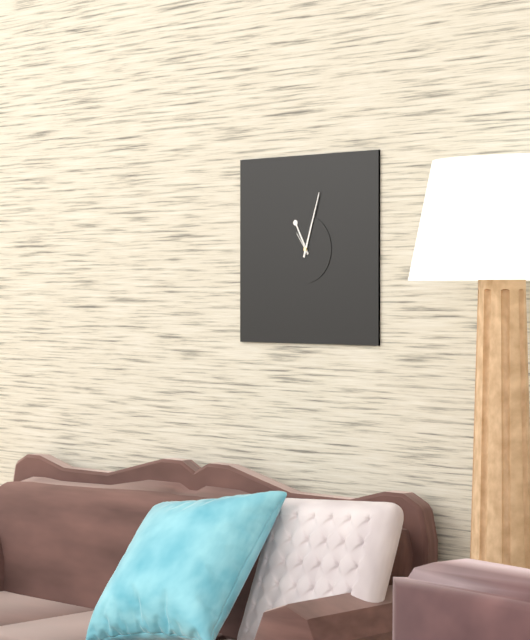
11:03
